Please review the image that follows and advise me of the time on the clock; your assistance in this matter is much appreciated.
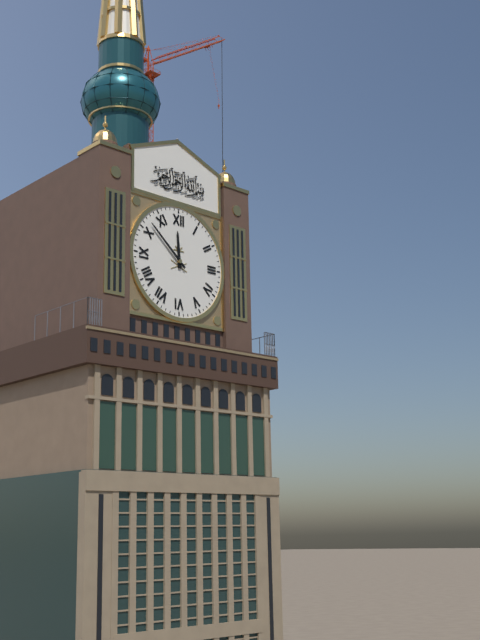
11:52
